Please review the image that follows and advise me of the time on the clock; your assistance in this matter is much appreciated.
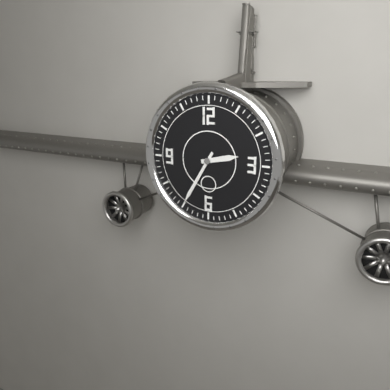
2:35
